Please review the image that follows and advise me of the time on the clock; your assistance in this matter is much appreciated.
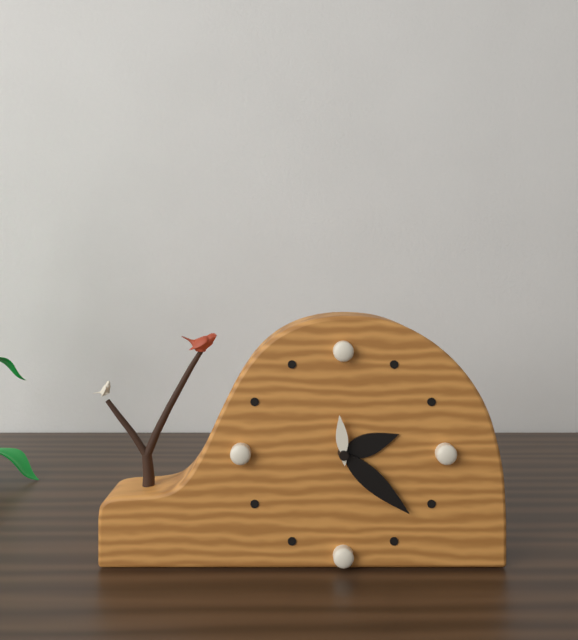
2:22:59
